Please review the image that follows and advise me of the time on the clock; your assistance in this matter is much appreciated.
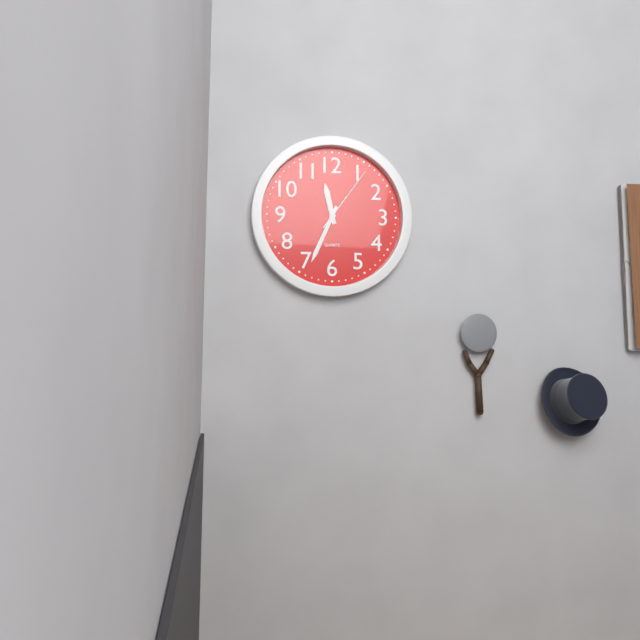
11:34:06
